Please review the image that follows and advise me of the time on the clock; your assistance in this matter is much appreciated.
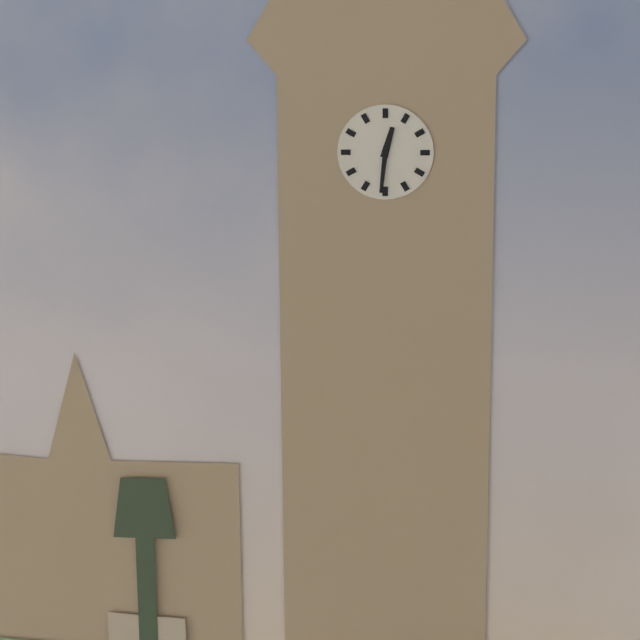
12:31
